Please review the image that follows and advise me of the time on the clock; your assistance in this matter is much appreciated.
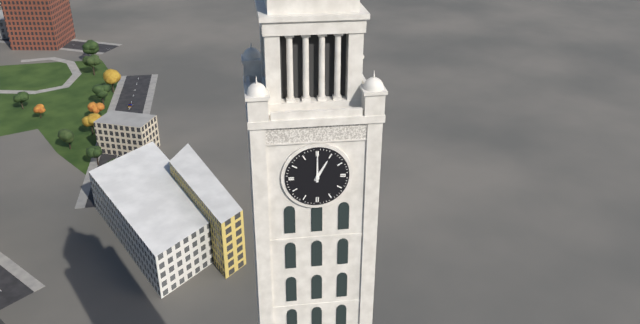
1:00
